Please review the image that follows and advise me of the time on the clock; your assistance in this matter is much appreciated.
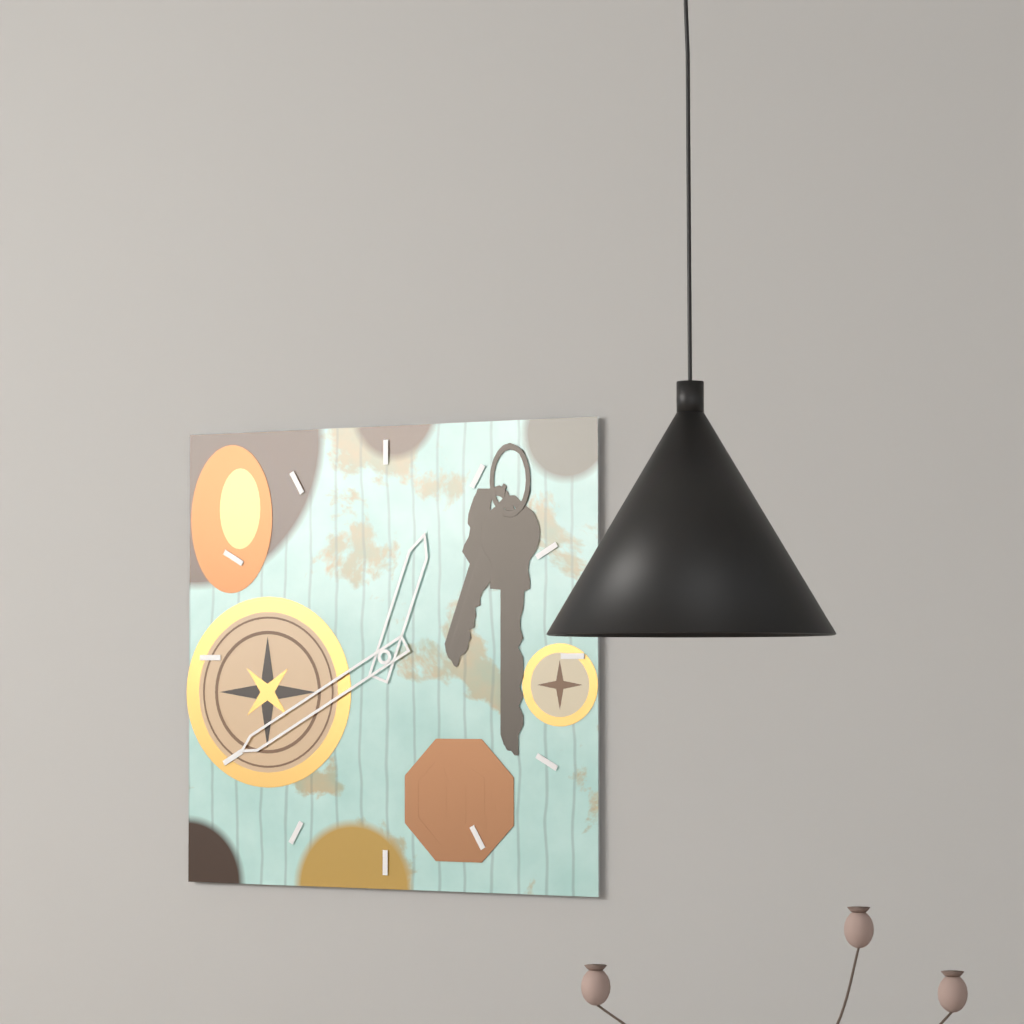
12:40
